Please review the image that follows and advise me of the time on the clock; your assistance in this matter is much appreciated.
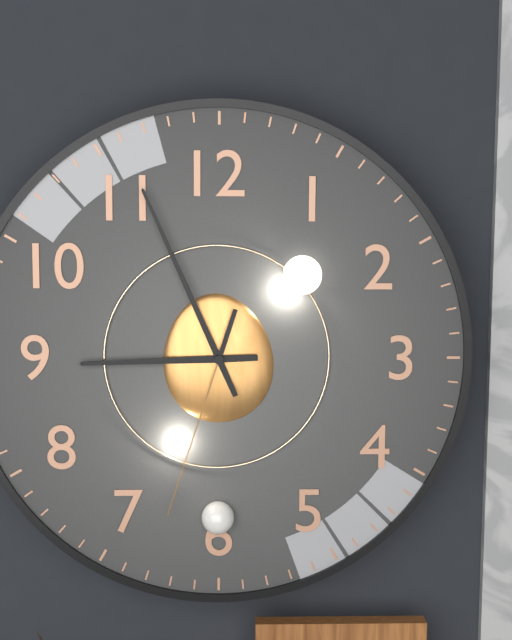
8:56:33
